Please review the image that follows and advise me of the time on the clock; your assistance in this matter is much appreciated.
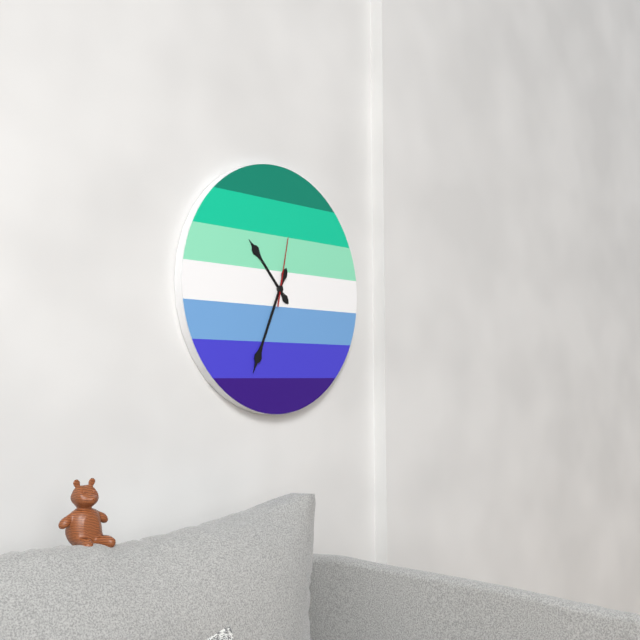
10:34:02
